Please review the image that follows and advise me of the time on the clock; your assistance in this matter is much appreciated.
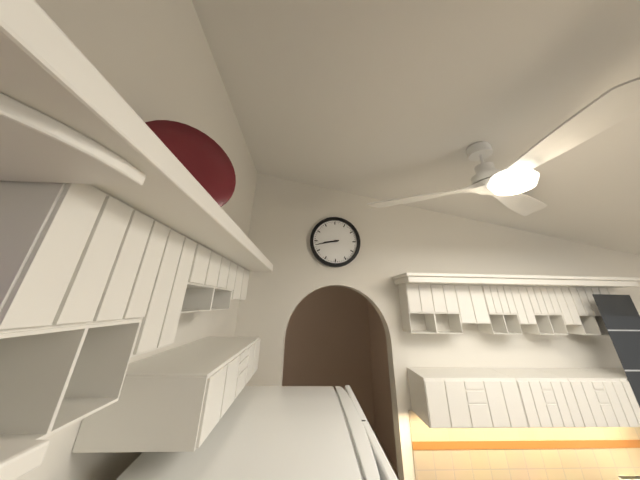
8:43
